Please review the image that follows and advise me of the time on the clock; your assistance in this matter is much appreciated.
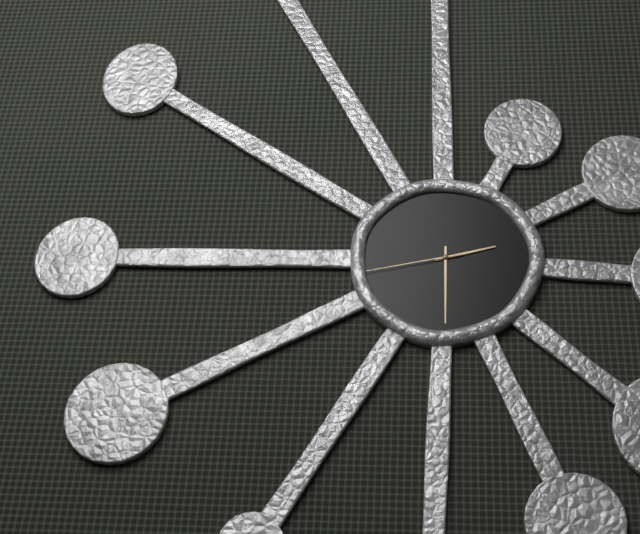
2:30:43
